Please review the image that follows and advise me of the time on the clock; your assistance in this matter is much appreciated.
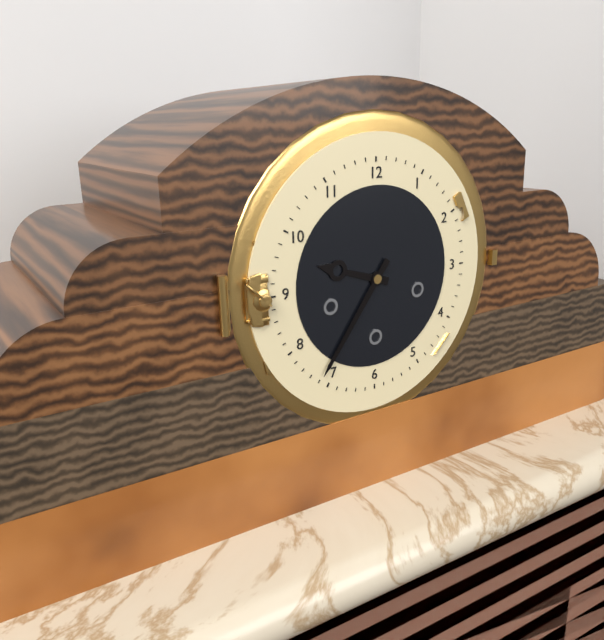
9:36
